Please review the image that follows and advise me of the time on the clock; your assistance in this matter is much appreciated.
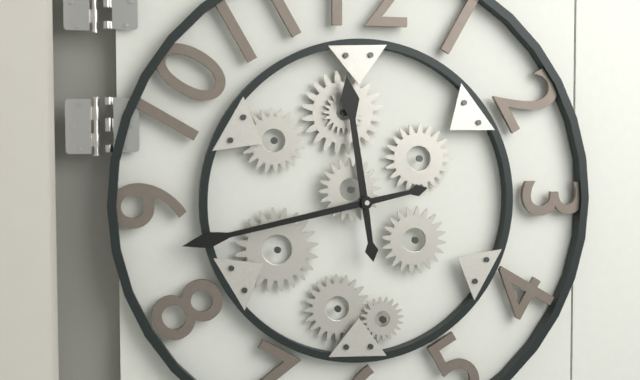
11:43
